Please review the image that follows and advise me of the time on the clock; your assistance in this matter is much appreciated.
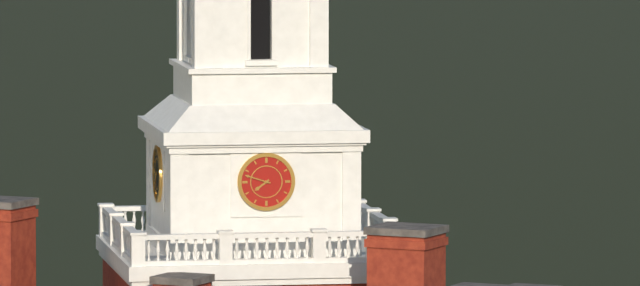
7:48
